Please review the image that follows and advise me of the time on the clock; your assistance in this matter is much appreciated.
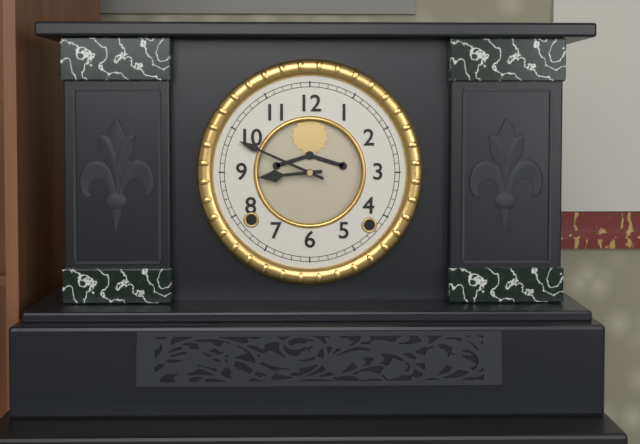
8:49
